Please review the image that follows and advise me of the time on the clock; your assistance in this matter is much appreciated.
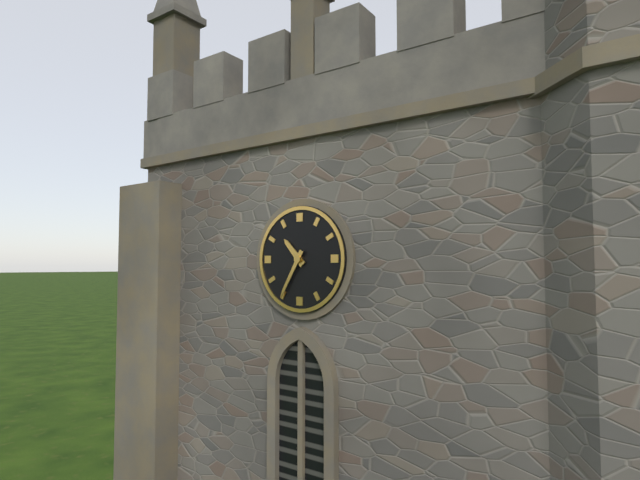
10:35
